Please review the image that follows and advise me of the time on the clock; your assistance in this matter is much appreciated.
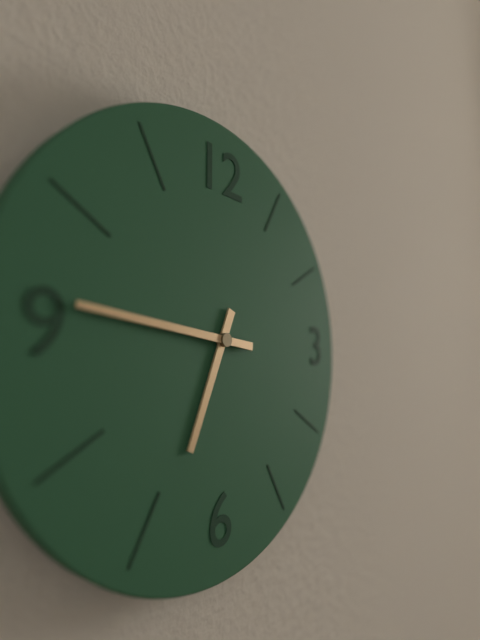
6:46
